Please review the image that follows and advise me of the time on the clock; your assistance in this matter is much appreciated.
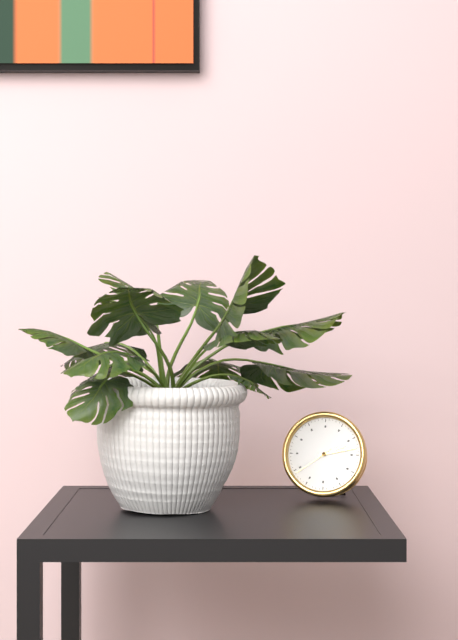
2:13
